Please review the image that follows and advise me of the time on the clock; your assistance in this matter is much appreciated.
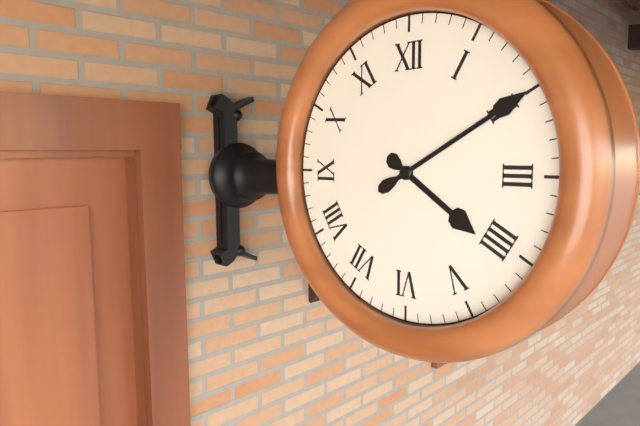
4:10
